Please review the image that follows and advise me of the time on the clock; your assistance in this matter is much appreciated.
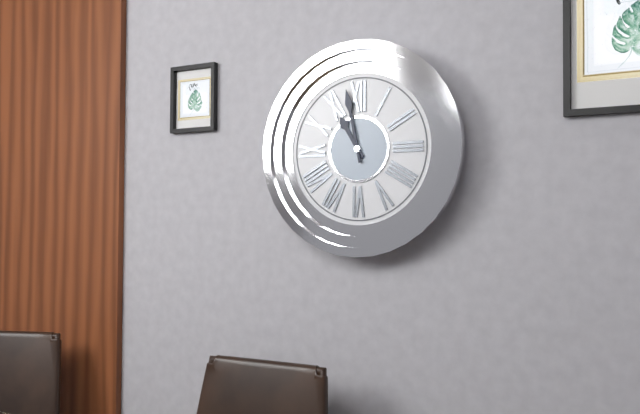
10:58
